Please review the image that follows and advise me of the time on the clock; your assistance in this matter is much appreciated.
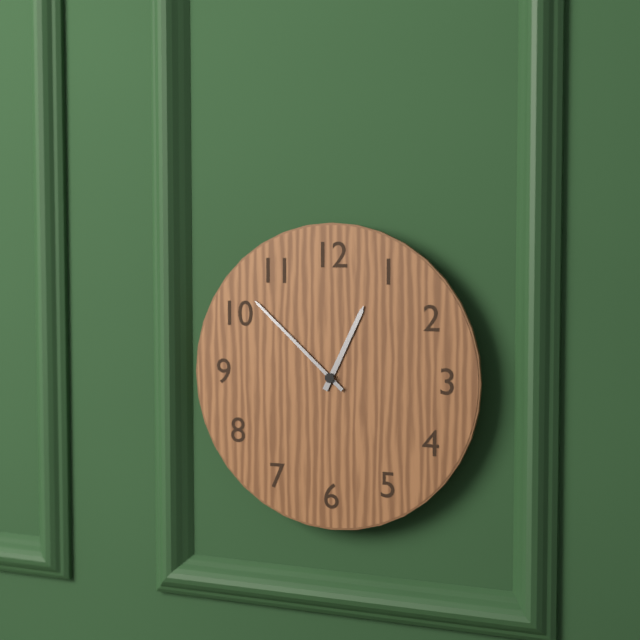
12:52
